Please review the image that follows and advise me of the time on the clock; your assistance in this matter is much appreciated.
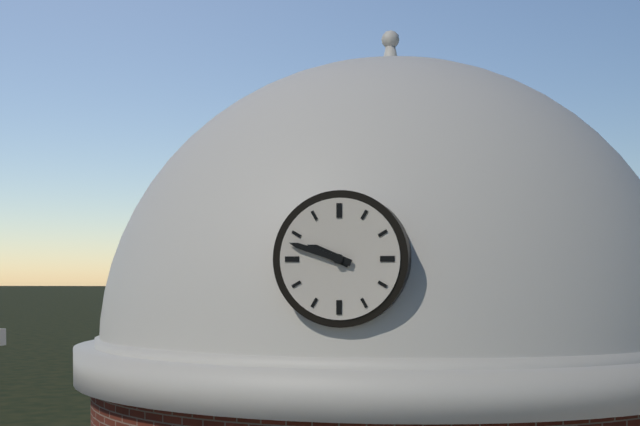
9:48
